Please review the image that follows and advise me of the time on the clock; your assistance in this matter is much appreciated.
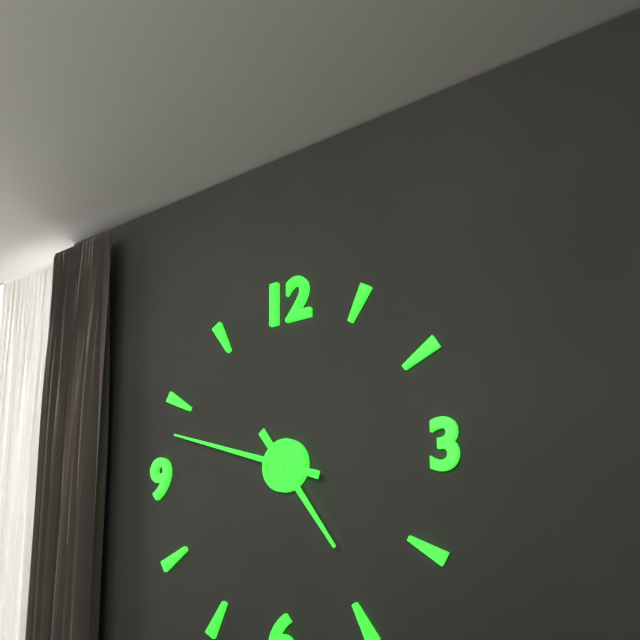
4:48
